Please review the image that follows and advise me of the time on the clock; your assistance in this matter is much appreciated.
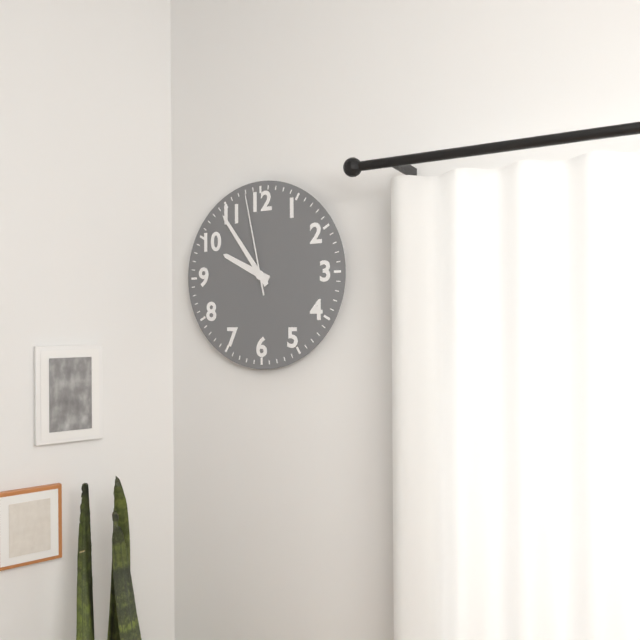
9:54:58
